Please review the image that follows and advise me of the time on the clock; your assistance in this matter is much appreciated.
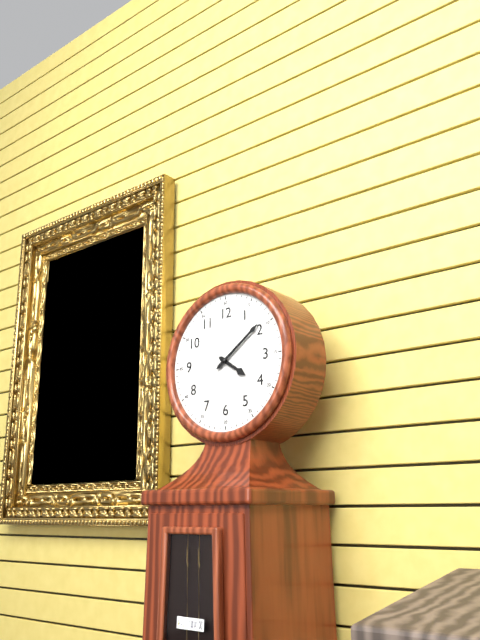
4:09
